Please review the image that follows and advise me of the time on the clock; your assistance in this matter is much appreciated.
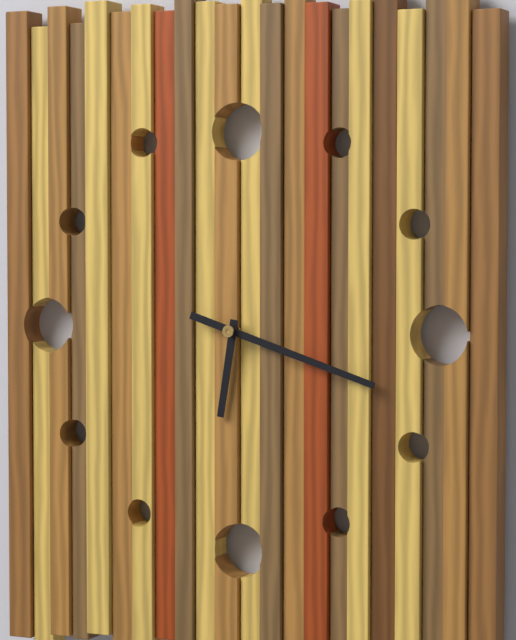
6:18
